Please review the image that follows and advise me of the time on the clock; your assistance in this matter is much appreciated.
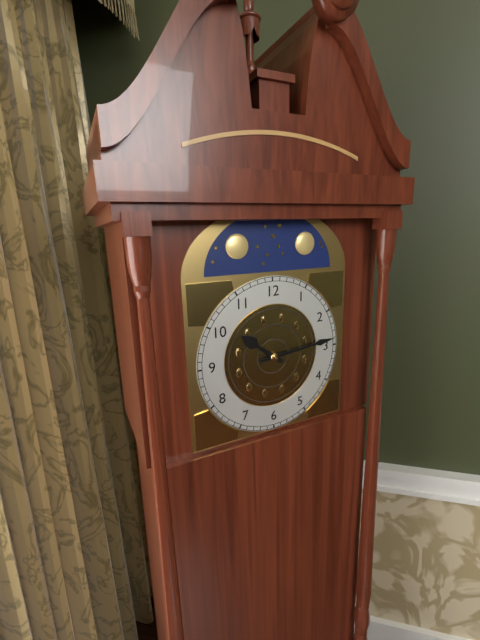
10:14
